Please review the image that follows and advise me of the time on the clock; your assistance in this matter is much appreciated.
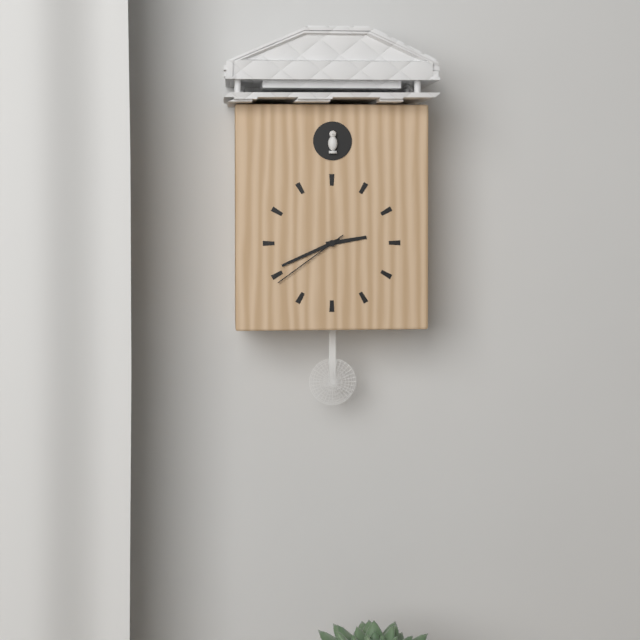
2:41:39
